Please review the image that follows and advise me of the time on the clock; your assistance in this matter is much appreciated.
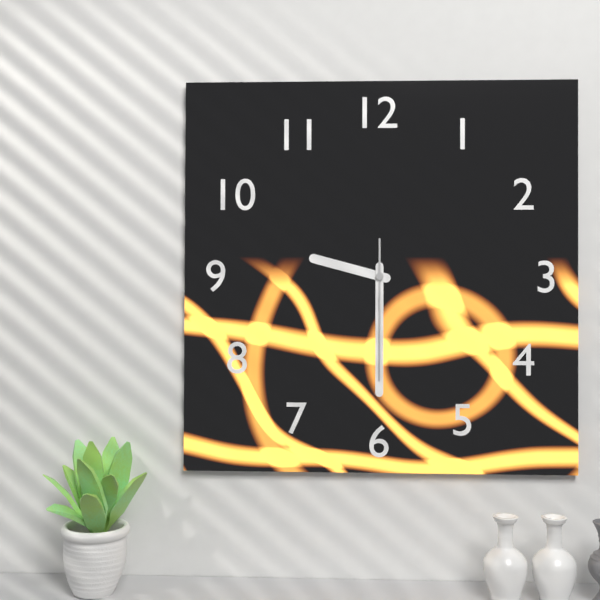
9:30:30
